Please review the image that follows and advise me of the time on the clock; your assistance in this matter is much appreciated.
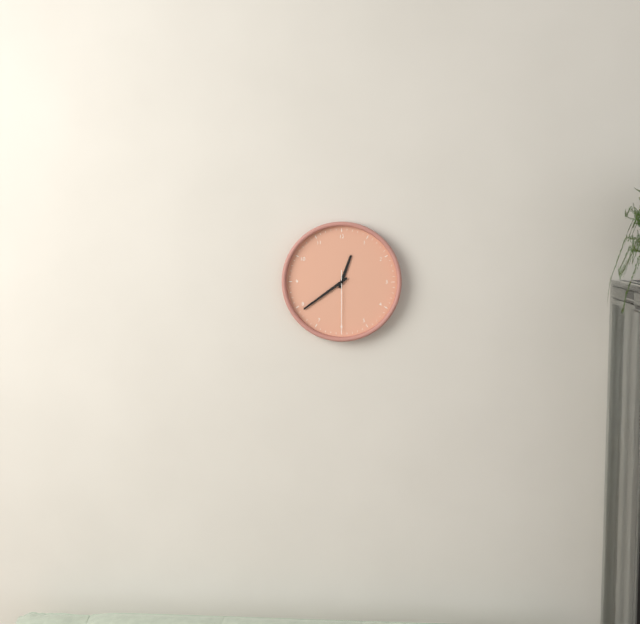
12:39:30
